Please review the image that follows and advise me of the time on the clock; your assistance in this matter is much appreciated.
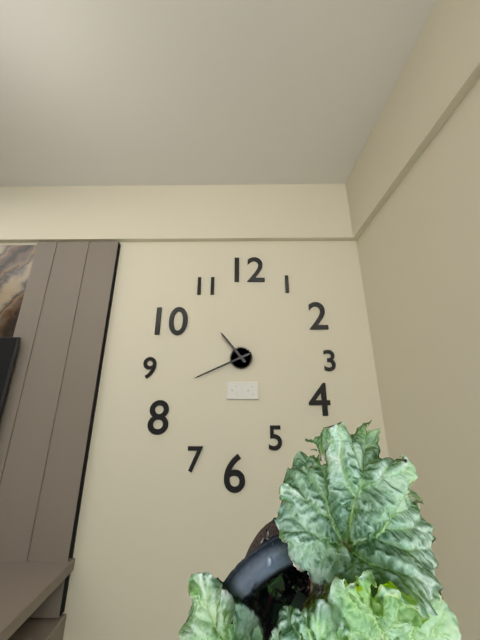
10:41
